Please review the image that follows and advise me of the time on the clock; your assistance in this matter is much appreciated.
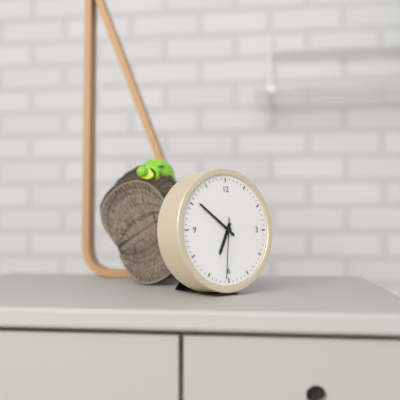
6:51:31
